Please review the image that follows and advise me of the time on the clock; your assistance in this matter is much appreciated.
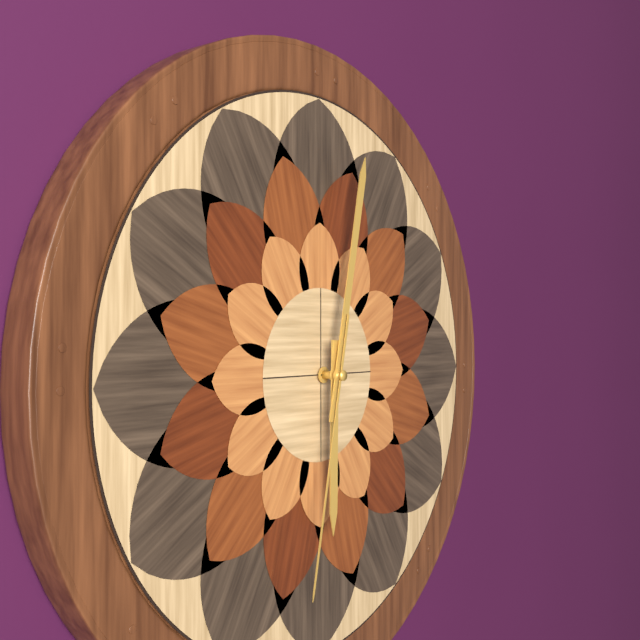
6:02:32
